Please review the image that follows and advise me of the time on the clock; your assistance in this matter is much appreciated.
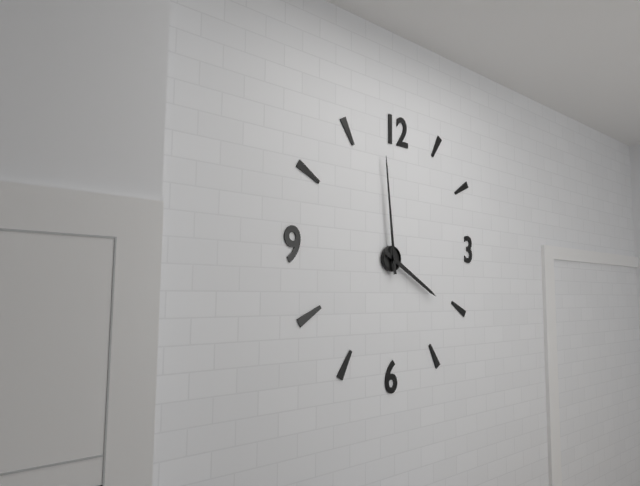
3:59
